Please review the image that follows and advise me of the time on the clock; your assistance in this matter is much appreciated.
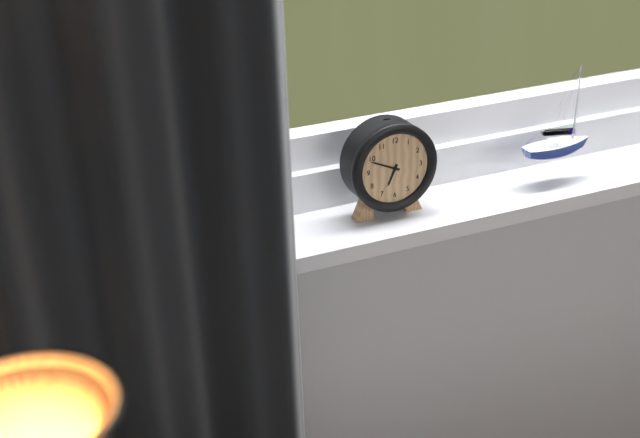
6:49
